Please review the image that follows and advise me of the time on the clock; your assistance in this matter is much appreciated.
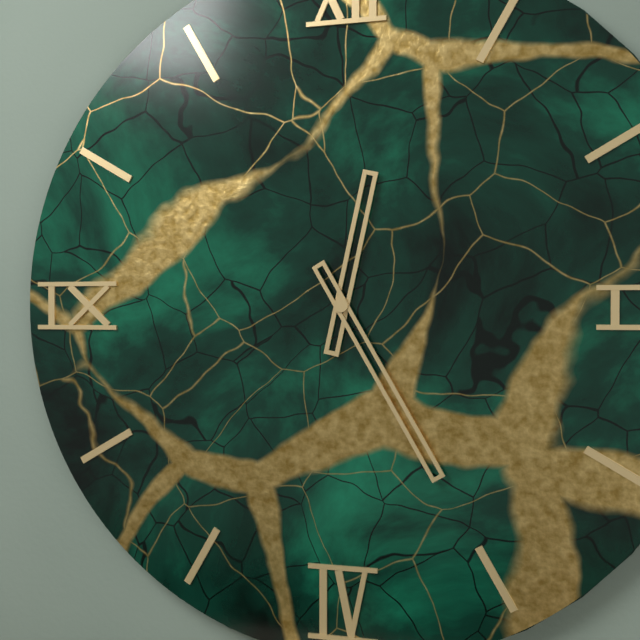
12:25
